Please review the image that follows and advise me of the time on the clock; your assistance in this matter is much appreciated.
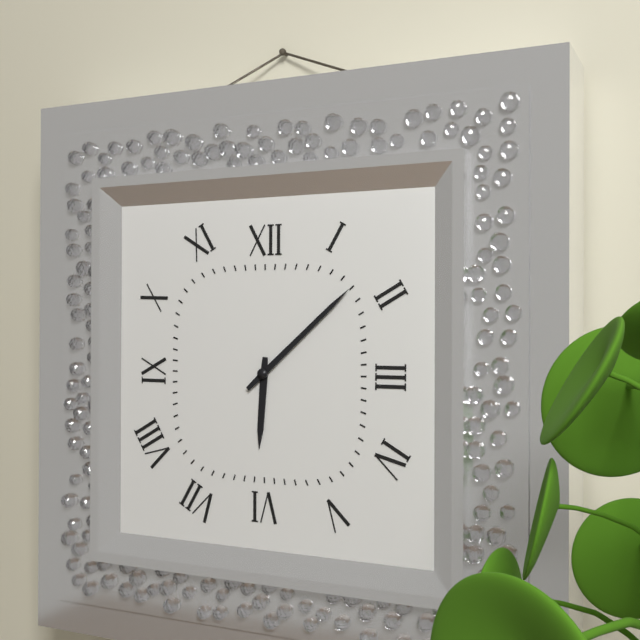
6:08
